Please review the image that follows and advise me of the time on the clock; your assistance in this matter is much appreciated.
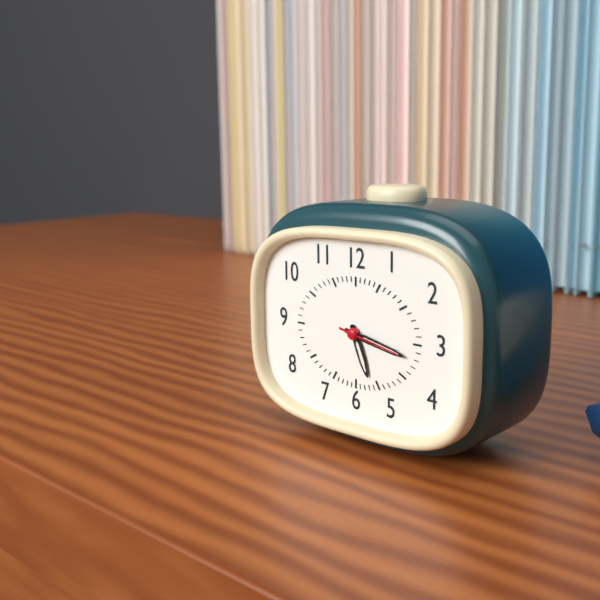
5:17:17
